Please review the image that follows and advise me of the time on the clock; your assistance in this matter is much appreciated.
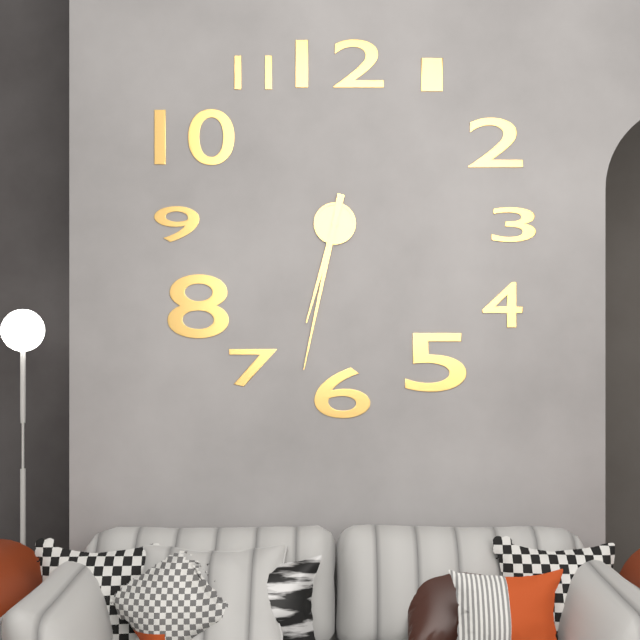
6:32
